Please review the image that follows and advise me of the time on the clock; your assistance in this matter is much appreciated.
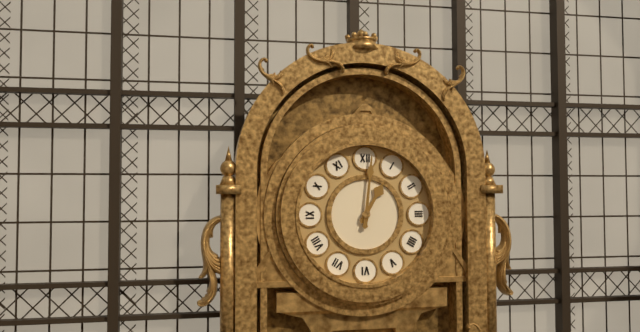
1:01
